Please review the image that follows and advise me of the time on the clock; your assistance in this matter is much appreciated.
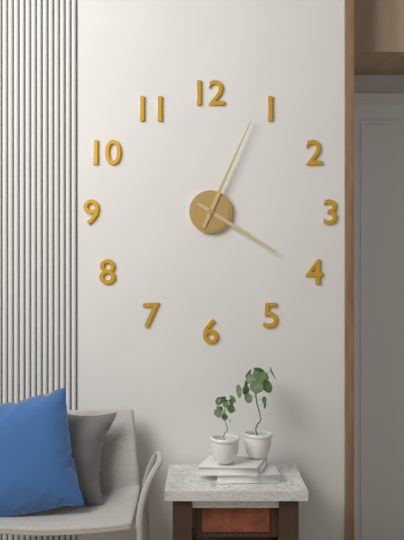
4:04
